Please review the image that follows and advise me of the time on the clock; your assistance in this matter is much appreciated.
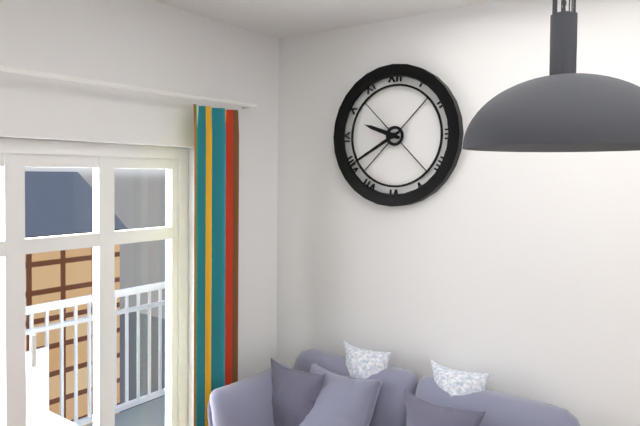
9:40
